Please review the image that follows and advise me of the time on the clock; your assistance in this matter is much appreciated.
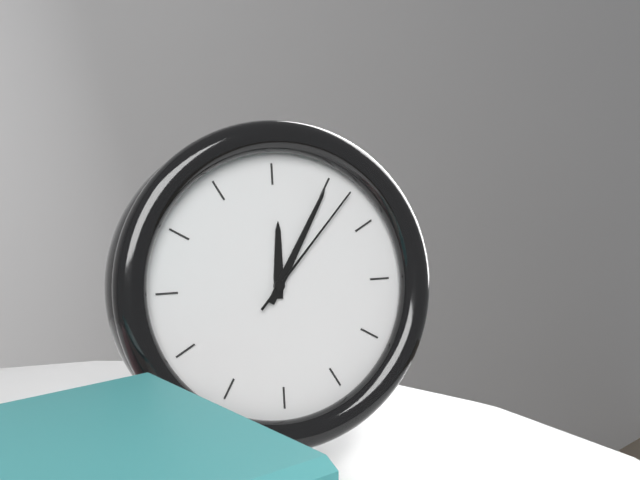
12:05:07
